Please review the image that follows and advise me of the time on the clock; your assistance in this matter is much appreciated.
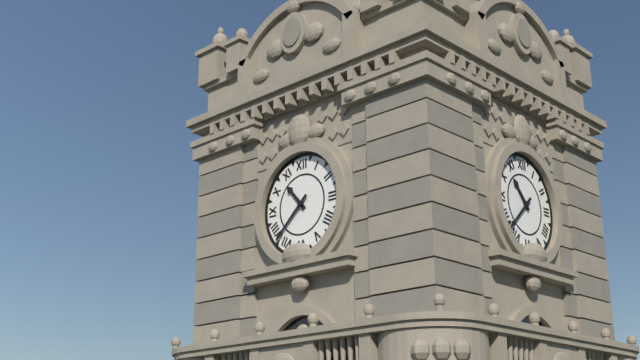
10:38
